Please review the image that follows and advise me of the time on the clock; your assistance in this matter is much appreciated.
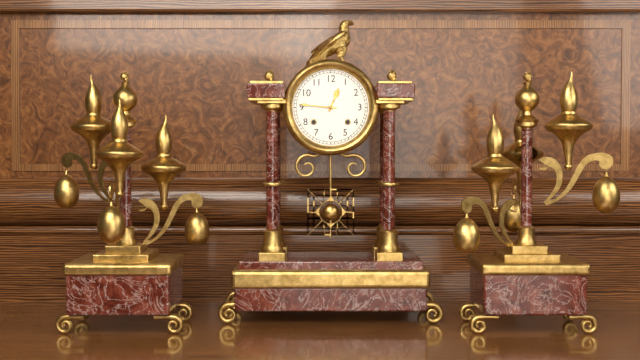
12:46
